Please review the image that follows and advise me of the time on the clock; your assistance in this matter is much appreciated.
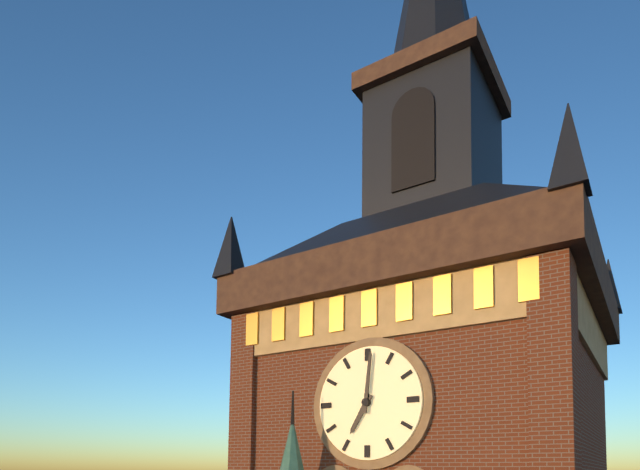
7:01
